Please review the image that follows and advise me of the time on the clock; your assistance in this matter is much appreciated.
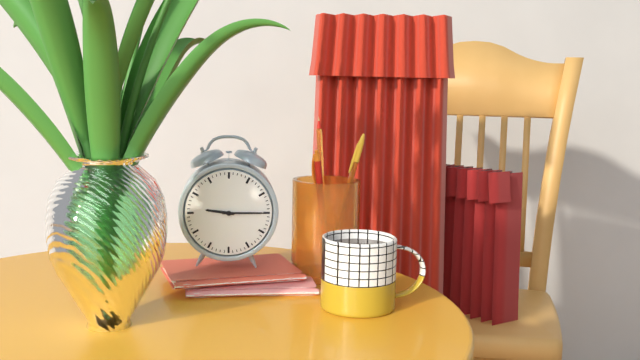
9:15
